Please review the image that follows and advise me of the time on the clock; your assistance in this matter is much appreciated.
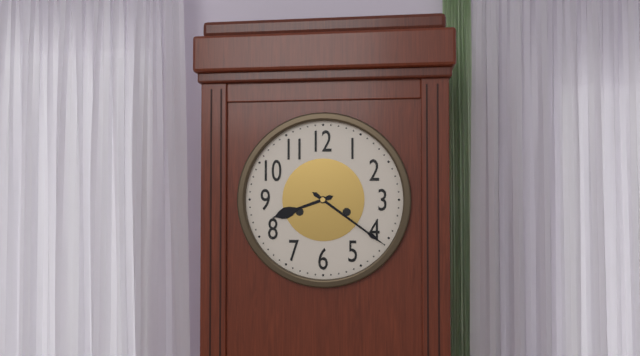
8:21
